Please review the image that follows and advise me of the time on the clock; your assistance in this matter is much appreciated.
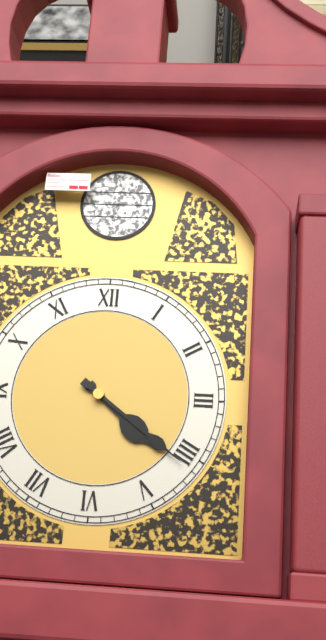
4:21
